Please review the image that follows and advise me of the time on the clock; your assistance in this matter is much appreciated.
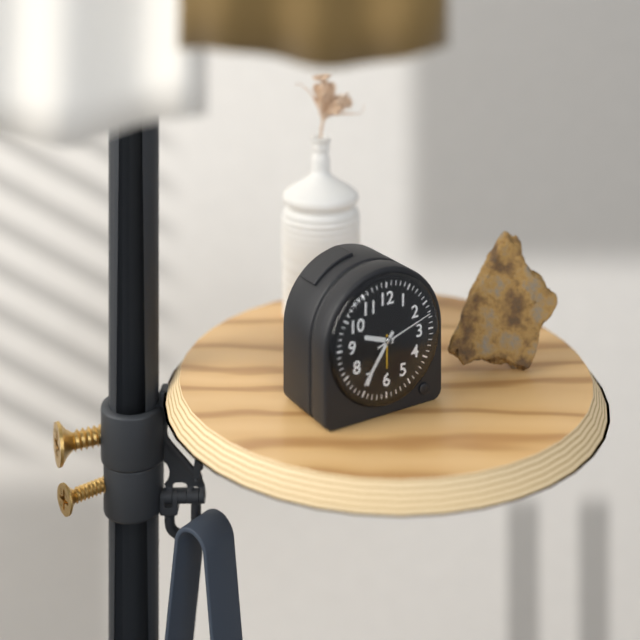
9:36:12
